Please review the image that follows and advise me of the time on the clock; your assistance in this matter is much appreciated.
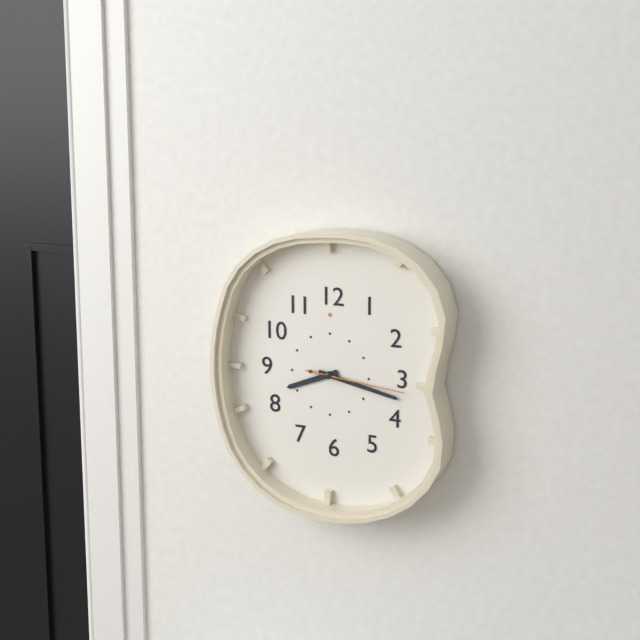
8:17:16
